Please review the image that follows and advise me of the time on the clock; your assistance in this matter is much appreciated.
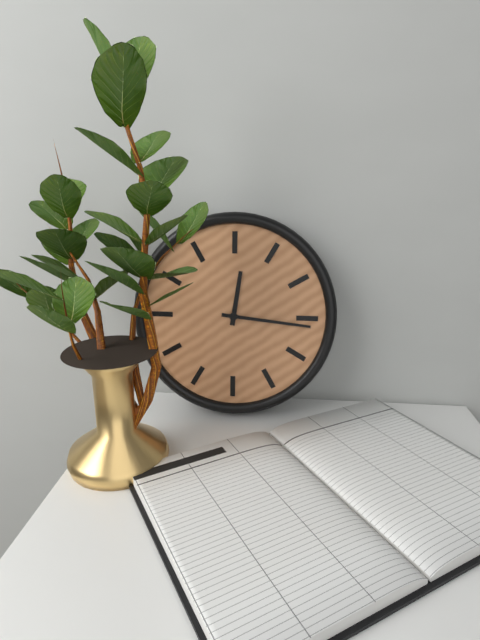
12:16
